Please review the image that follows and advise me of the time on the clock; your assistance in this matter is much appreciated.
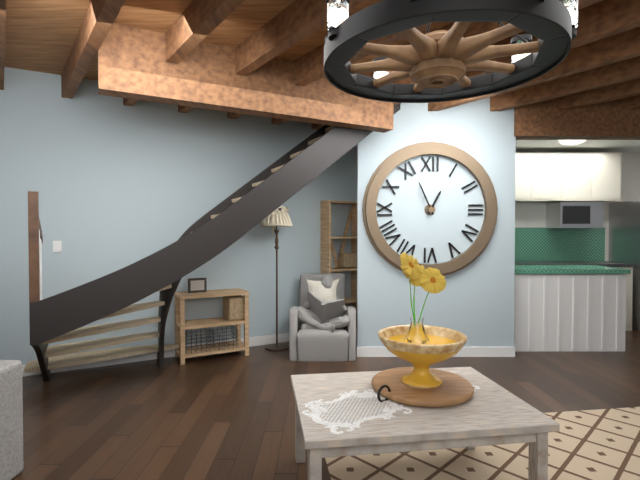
12:56
